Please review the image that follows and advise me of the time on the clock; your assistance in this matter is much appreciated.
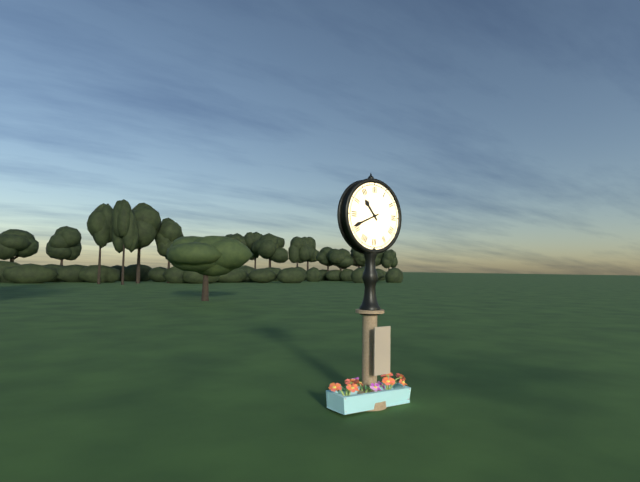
10:41
